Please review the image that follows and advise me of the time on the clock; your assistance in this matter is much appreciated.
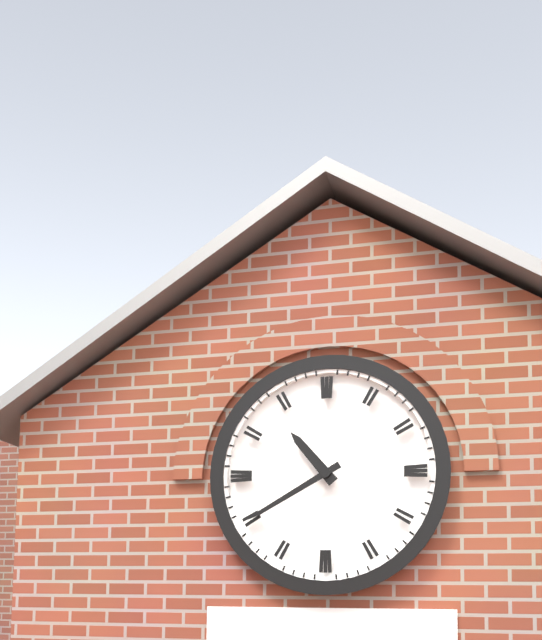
10:40
